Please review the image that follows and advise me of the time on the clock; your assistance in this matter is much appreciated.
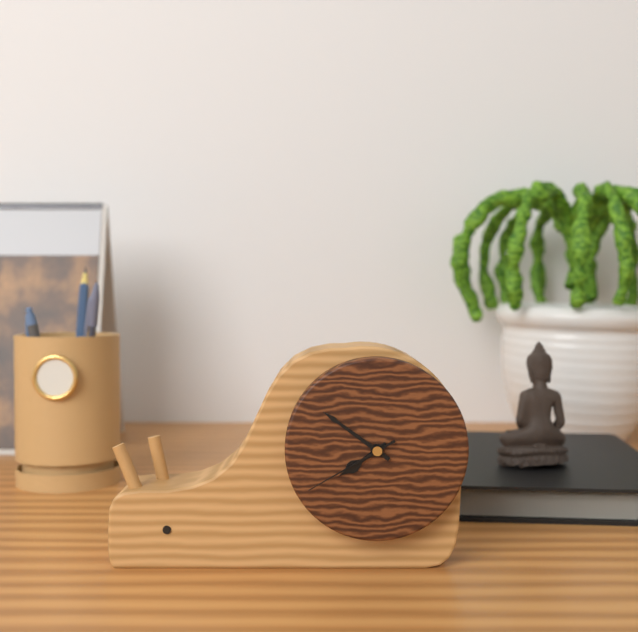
7:51:40
